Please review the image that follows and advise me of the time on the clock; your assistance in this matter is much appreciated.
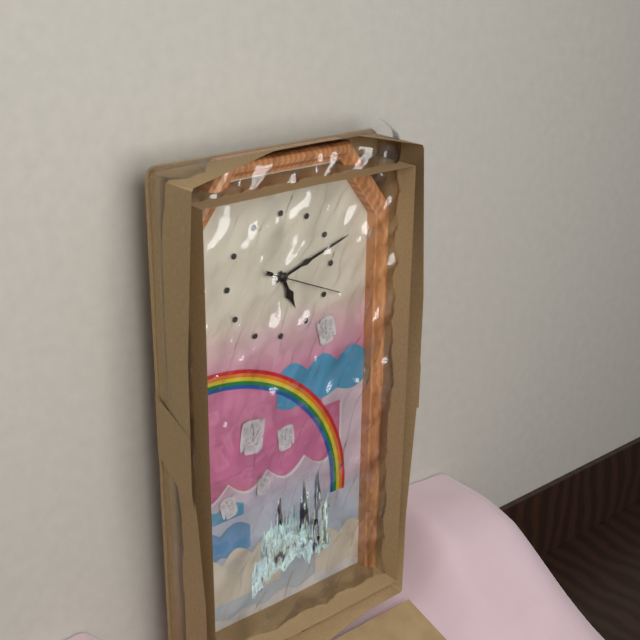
5:12:19
